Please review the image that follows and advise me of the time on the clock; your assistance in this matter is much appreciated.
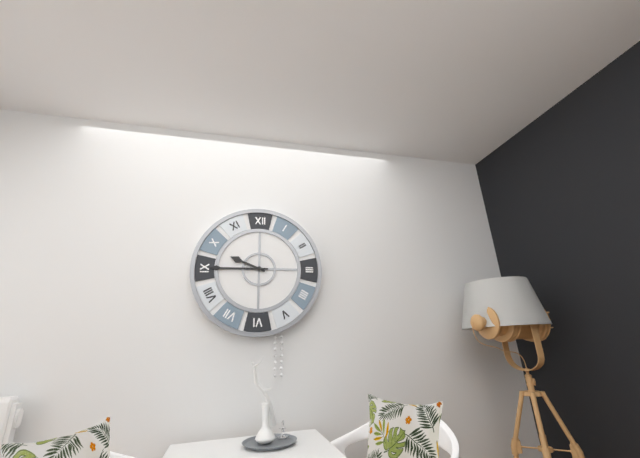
9:45
